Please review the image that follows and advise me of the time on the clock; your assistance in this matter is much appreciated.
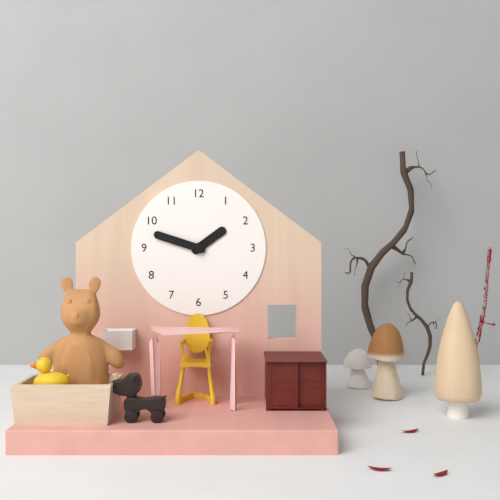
1:48
